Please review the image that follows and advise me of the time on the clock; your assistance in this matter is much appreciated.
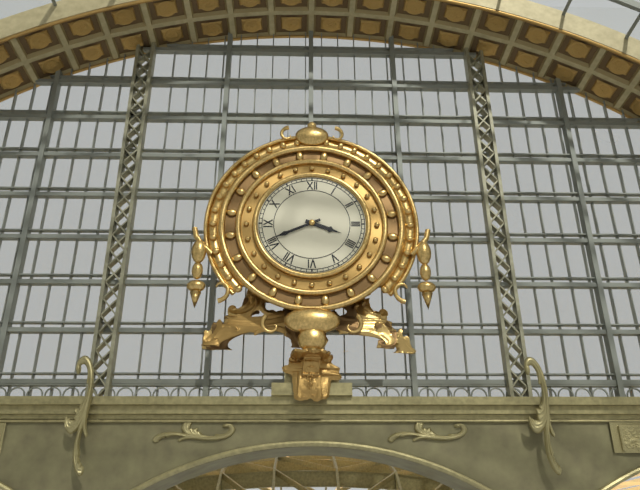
3:41
